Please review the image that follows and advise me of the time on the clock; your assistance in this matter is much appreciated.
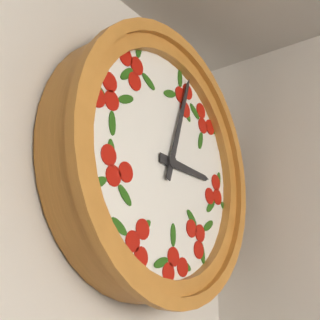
3:03
